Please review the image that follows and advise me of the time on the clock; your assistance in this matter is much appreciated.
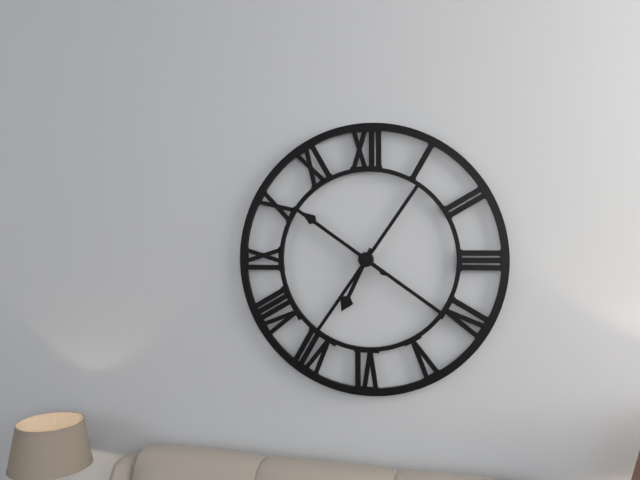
6:51
